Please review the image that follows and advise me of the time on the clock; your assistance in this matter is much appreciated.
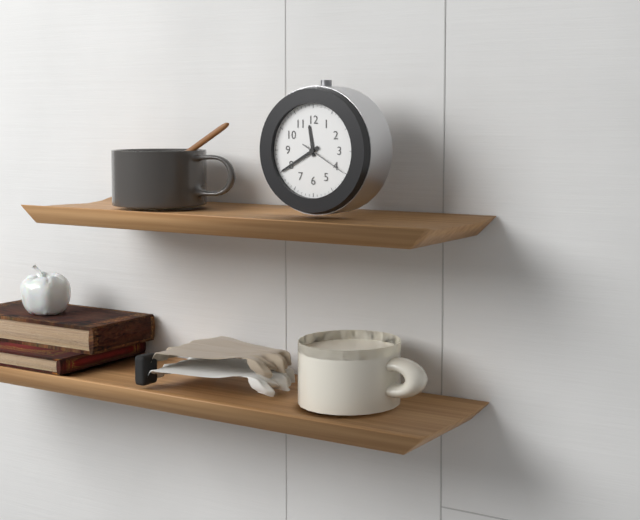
11:40
